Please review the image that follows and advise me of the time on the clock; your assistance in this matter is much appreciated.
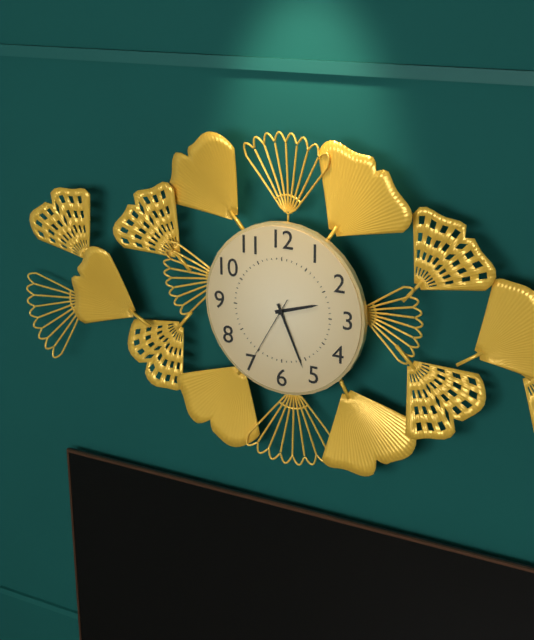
2:26:35
